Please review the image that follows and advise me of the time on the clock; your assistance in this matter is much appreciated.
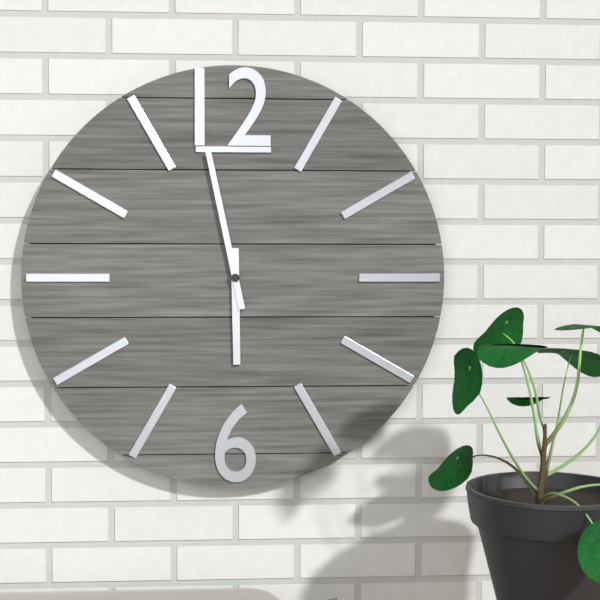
5:58
